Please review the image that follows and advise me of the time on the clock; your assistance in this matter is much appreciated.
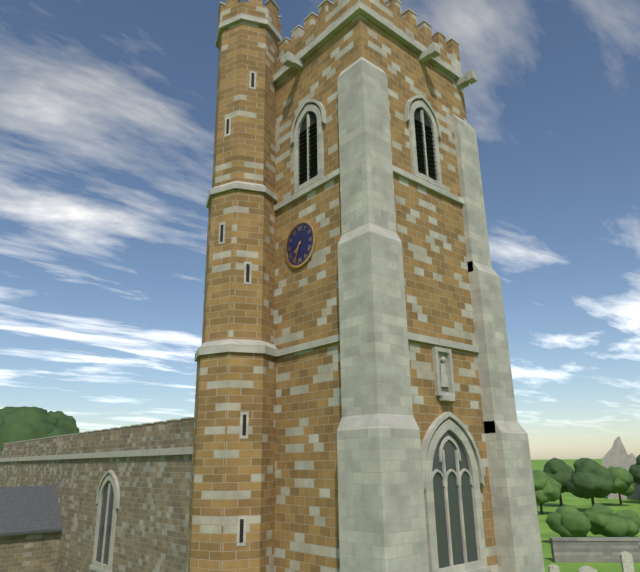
7:34
